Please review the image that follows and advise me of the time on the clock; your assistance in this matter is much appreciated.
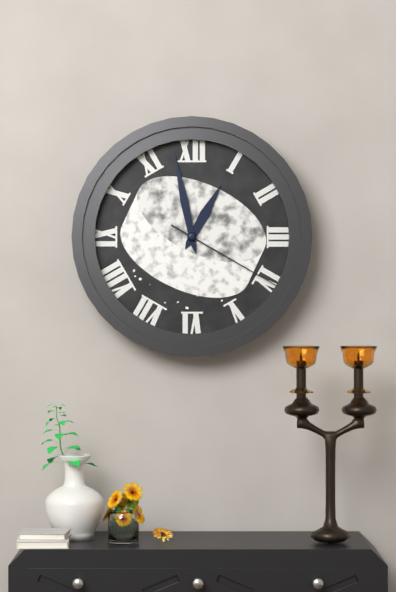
12:58:20
